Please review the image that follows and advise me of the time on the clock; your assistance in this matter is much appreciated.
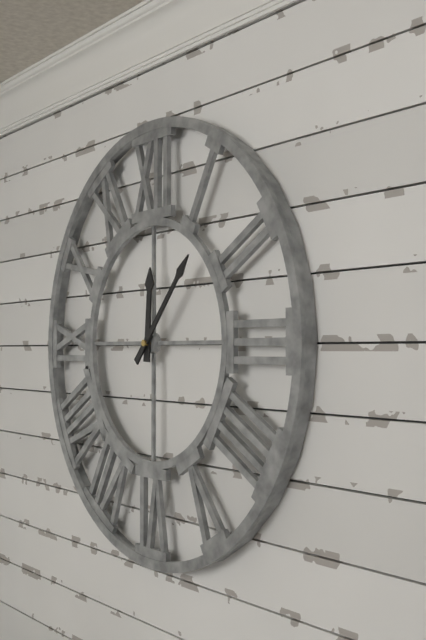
12:07
